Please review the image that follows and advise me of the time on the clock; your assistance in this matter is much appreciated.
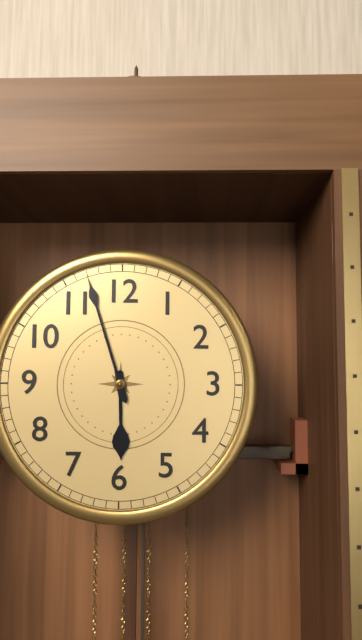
5:57
